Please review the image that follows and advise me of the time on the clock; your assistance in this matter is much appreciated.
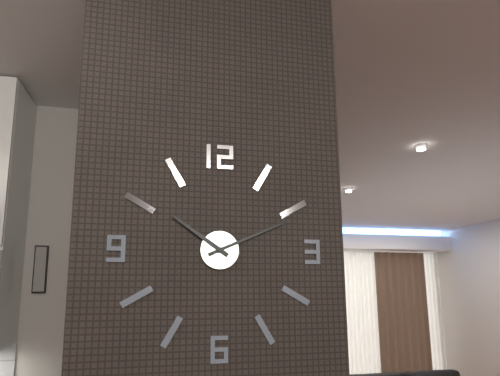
10:11
